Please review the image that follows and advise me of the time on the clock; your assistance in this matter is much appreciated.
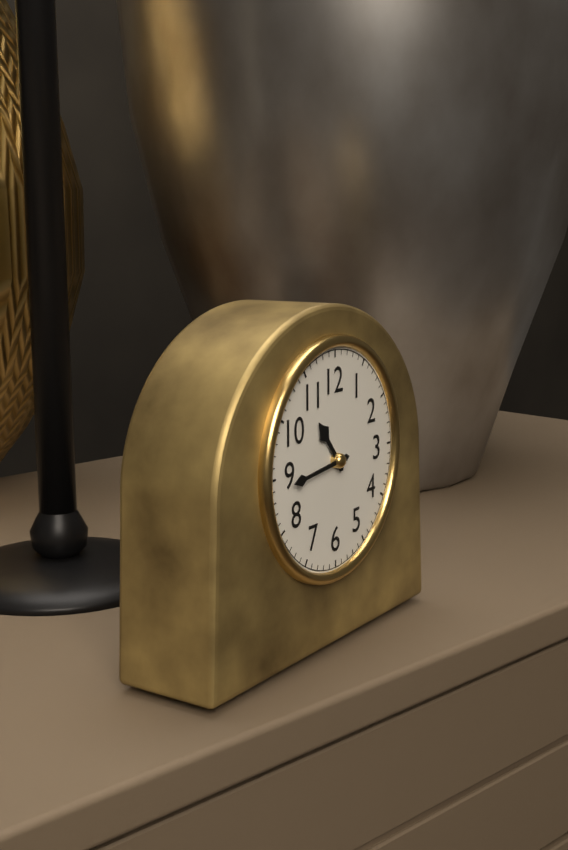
10:44
